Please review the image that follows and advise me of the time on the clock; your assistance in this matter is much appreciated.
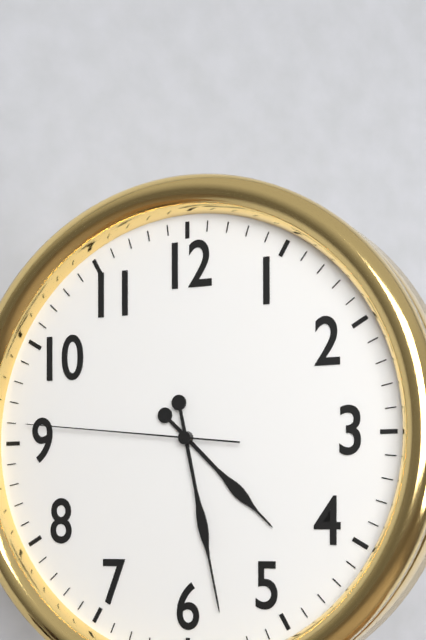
4:28:46
